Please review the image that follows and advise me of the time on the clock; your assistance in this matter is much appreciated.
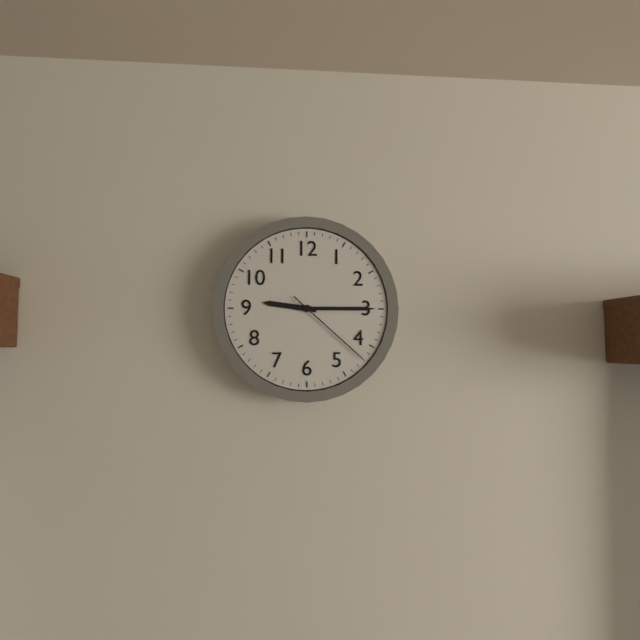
9:15:22
